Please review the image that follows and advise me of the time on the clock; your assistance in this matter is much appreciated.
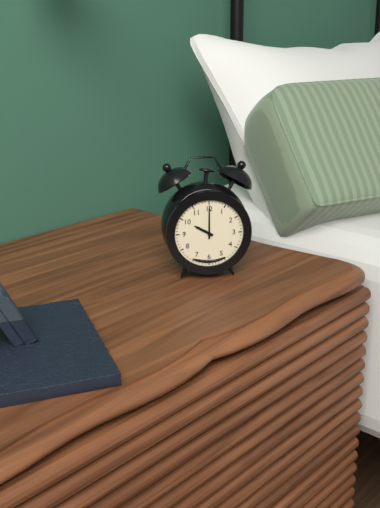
10:00
